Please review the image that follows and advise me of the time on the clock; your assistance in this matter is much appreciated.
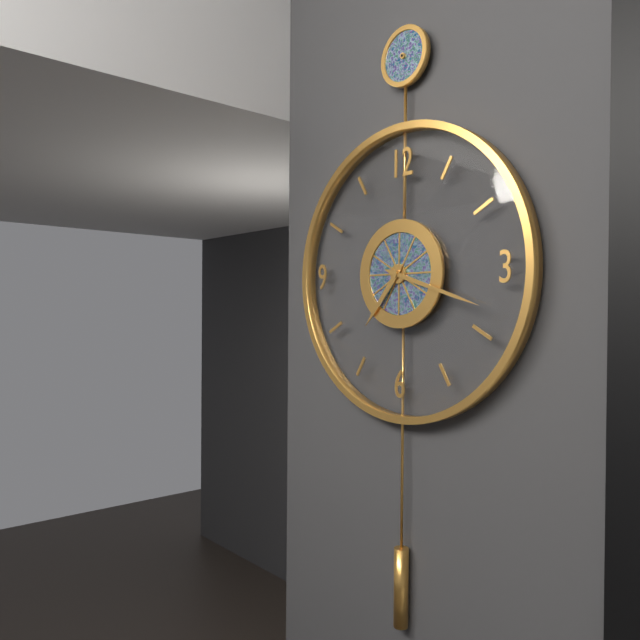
7:18
